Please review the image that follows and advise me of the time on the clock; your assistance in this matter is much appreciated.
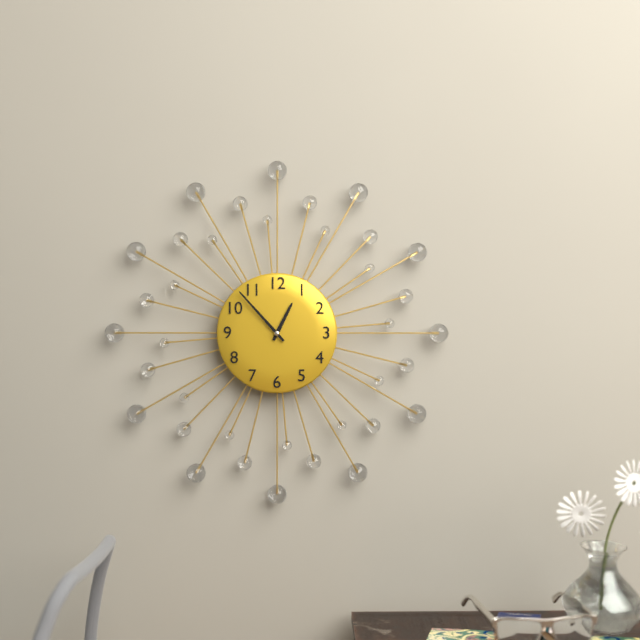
12:53
